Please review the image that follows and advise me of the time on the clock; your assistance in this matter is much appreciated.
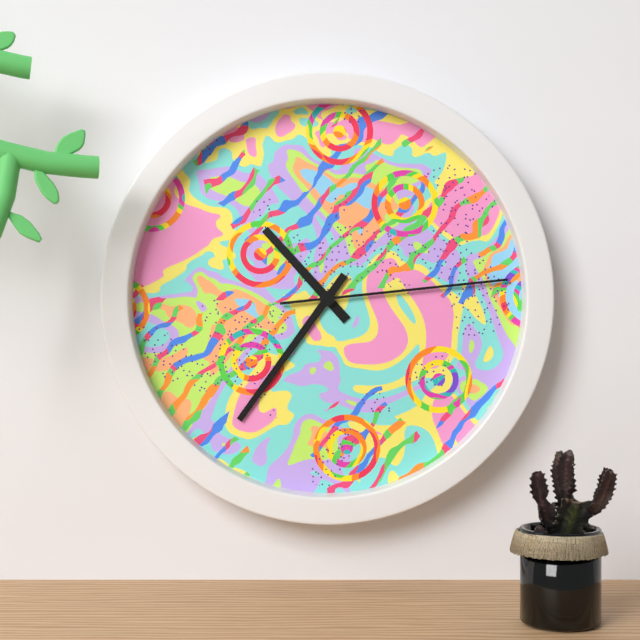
10:36:14
